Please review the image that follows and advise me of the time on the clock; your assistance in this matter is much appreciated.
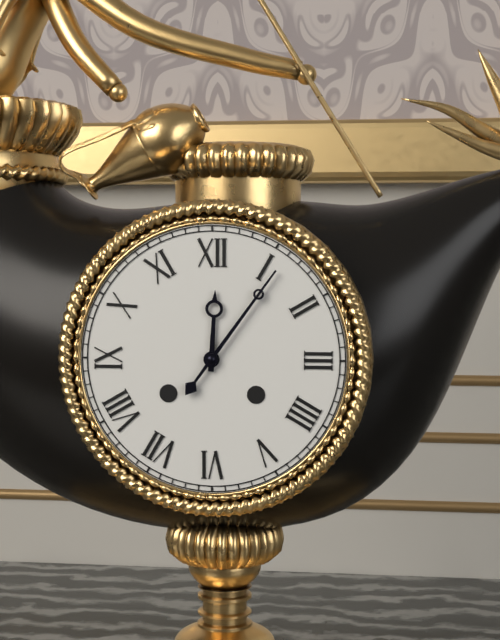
12:06
